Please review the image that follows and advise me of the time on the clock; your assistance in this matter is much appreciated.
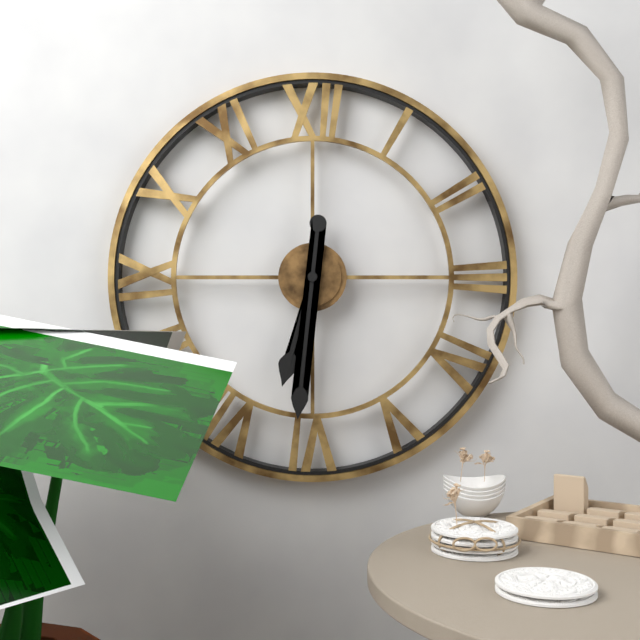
6:31
